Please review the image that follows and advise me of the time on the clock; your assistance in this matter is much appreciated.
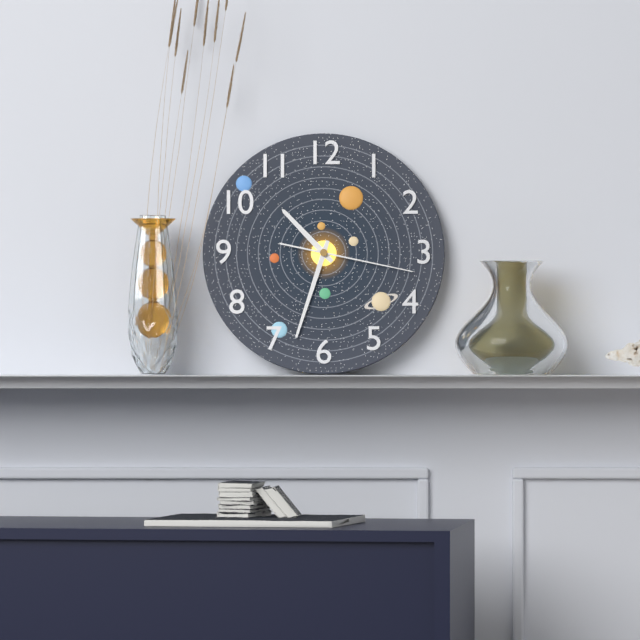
10:33:17
